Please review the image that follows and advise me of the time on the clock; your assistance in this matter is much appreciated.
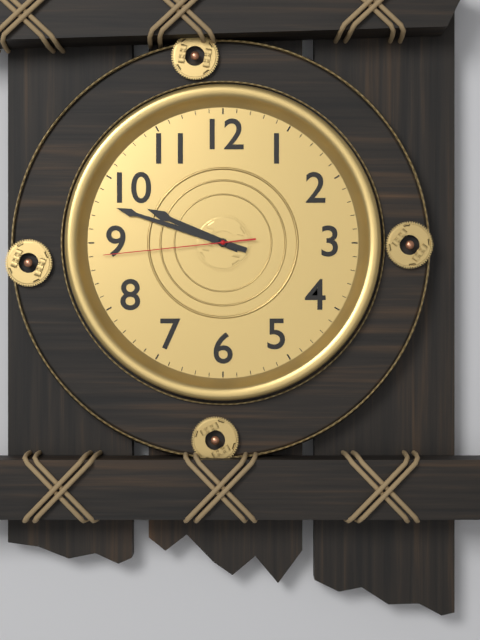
9:48:44
